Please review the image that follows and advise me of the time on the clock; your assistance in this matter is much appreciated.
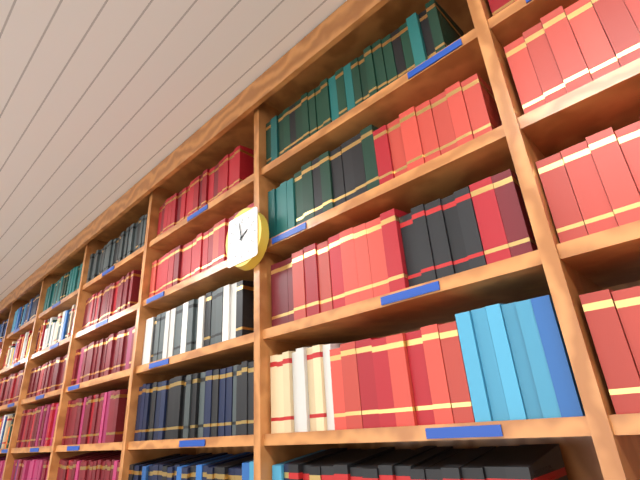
1:58
